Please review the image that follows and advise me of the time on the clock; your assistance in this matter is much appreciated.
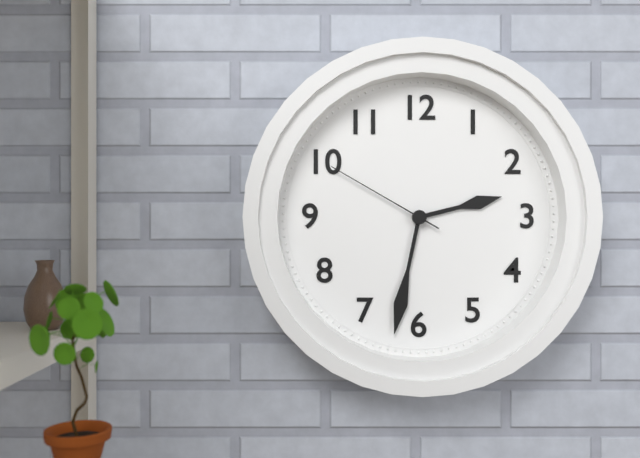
2:32:50
